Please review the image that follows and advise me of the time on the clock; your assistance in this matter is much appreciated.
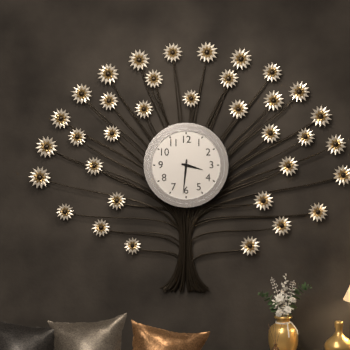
3:31
